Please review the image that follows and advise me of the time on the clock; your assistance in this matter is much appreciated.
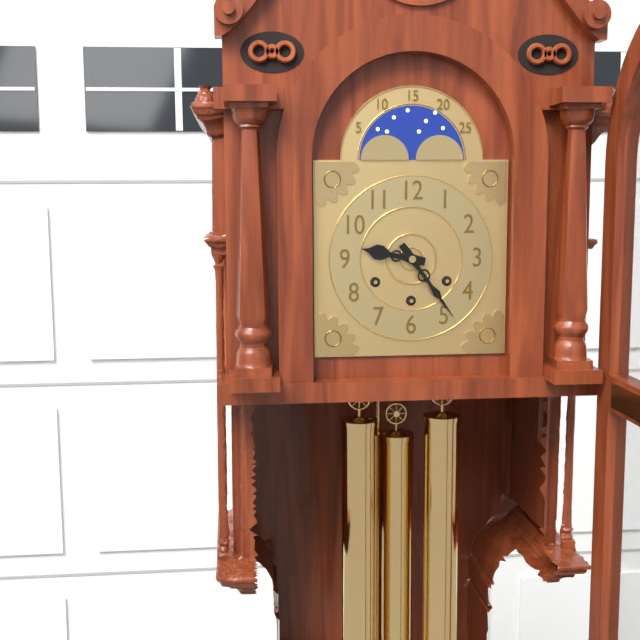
9:24
